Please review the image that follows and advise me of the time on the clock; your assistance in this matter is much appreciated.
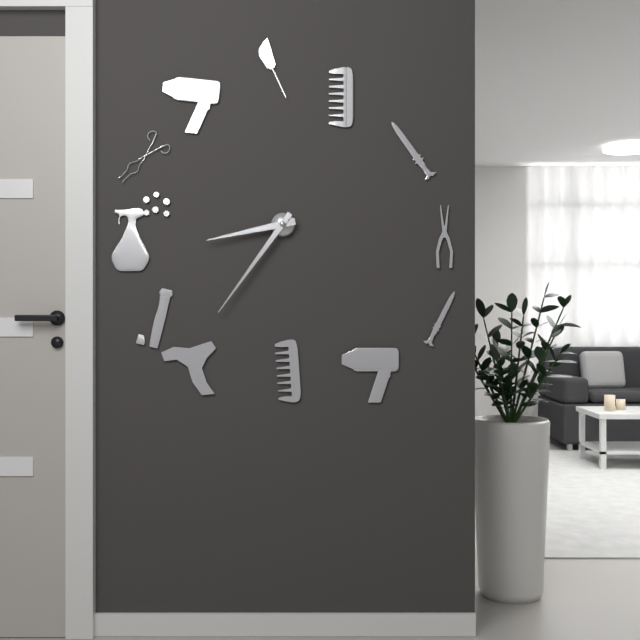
8:36
